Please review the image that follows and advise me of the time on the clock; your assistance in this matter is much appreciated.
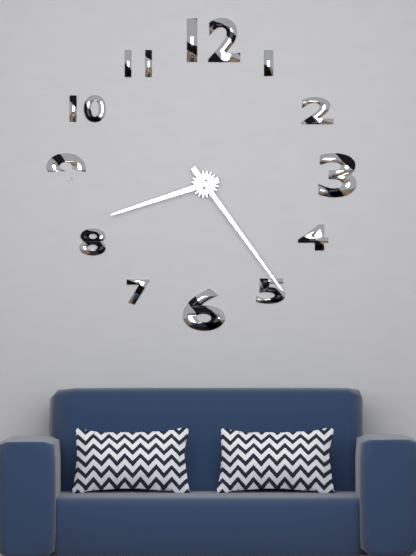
8:24
